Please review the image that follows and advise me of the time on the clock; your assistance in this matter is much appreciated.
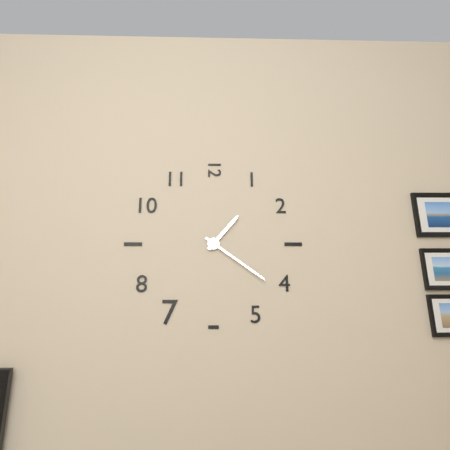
1:21
